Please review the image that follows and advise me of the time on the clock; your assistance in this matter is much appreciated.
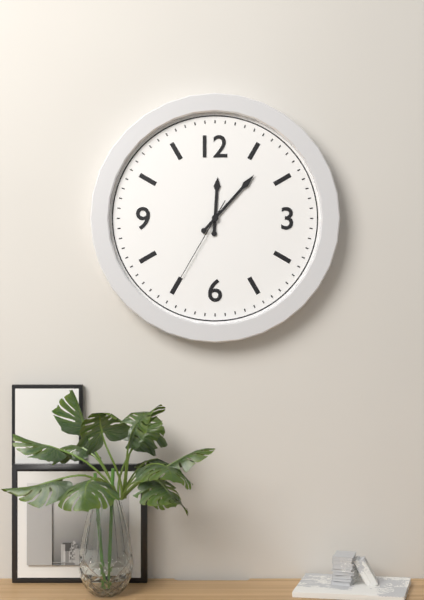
12:07:35
